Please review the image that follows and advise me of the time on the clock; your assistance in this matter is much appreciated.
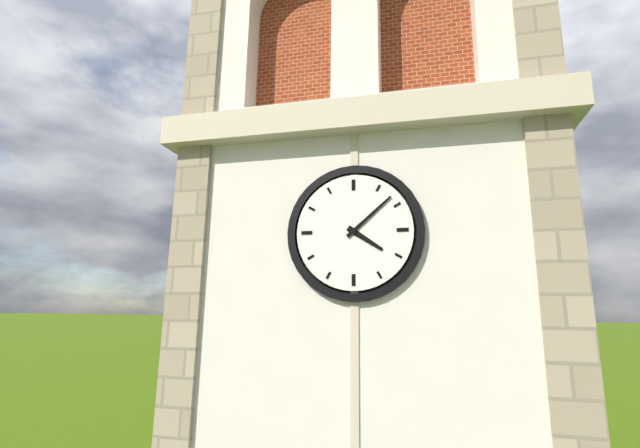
4:08
